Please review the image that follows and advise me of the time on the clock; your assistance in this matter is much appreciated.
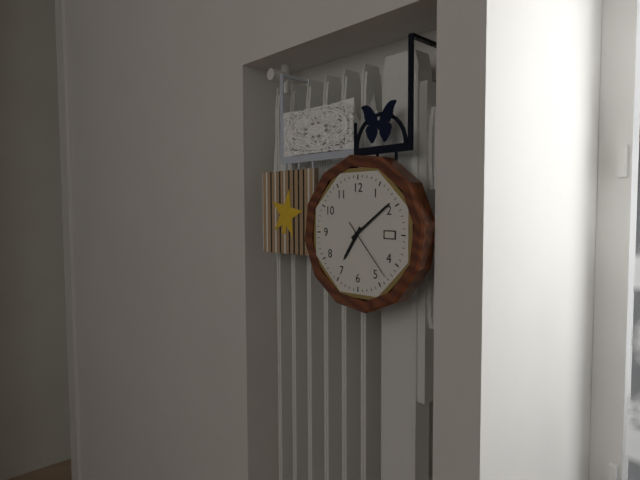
7:09:23
